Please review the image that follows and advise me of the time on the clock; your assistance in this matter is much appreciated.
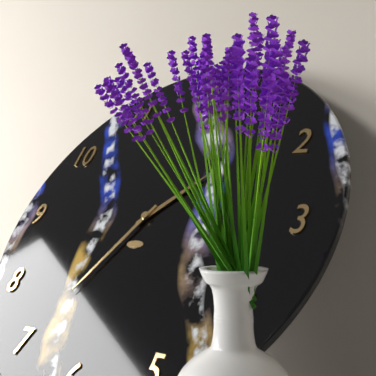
1:35
